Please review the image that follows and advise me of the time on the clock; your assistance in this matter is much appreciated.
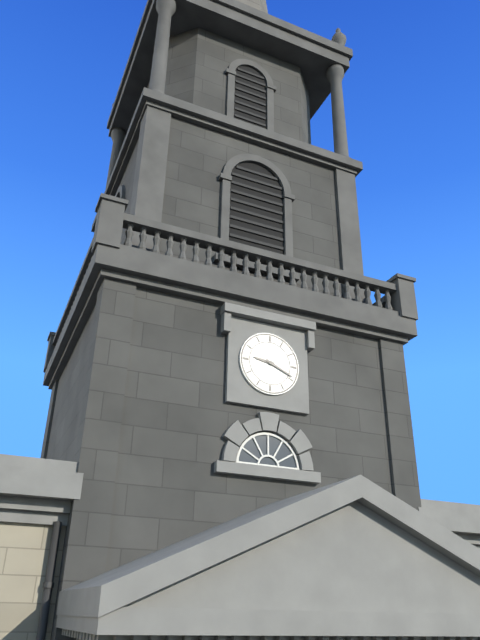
9:19
